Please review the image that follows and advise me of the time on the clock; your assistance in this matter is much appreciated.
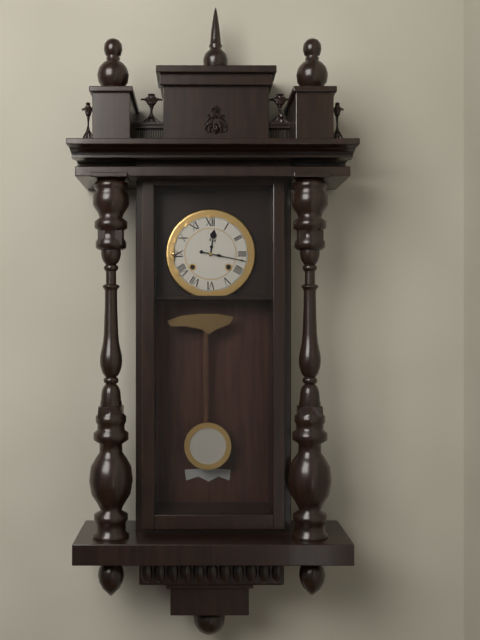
12:17
